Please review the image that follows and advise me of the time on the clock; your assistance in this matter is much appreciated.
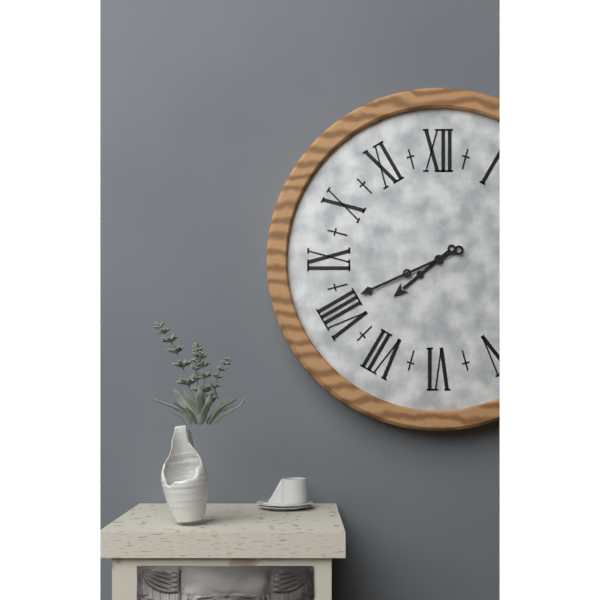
7:41
